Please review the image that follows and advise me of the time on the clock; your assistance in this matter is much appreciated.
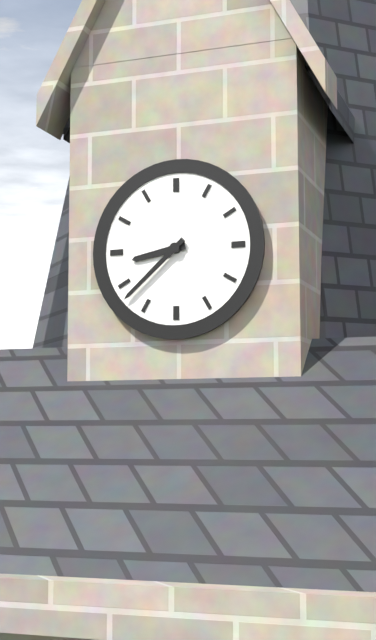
8:38
